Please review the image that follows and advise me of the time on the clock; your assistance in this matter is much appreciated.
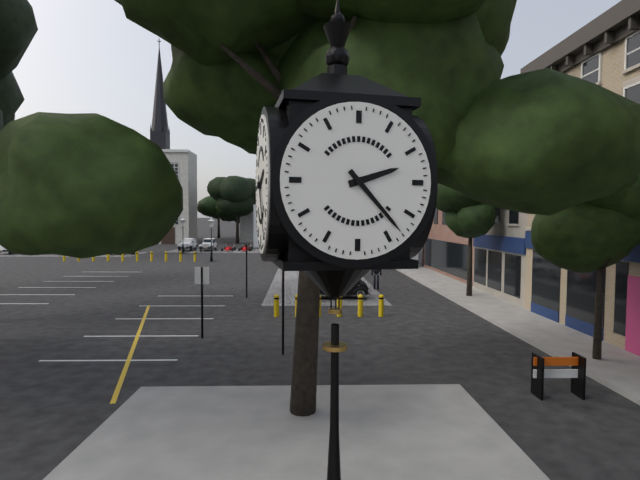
2:23
